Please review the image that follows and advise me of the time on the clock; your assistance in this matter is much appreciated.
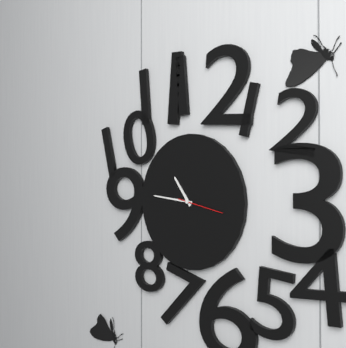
10:46
